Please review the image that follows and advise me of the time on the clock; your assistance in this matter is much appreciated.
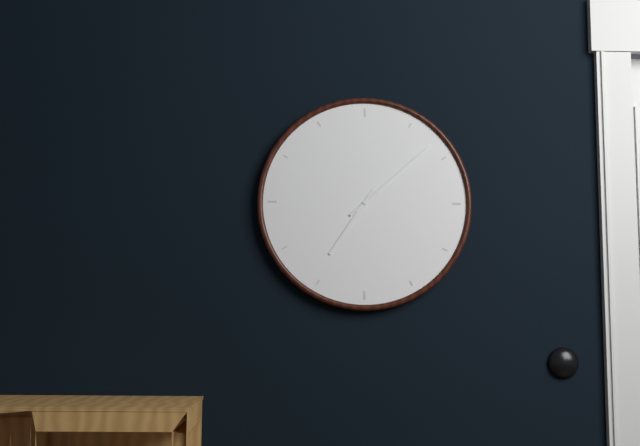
7:08
